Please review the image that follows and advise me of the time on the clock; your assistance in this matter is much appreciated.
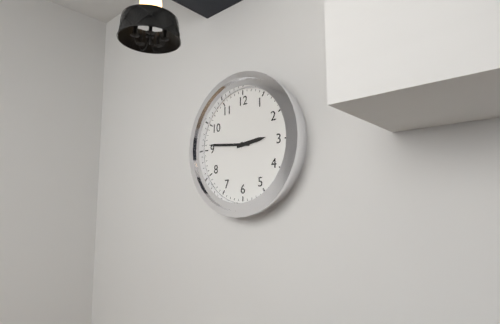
2:46
